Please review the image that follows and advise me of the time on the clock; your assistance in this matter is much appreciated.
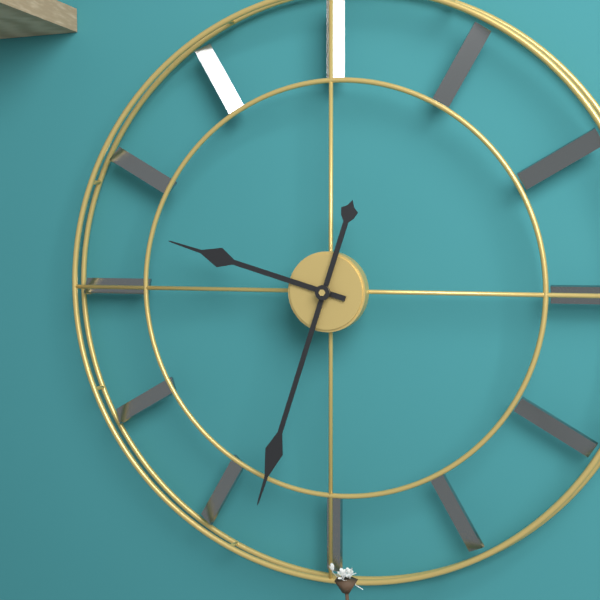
9:33
